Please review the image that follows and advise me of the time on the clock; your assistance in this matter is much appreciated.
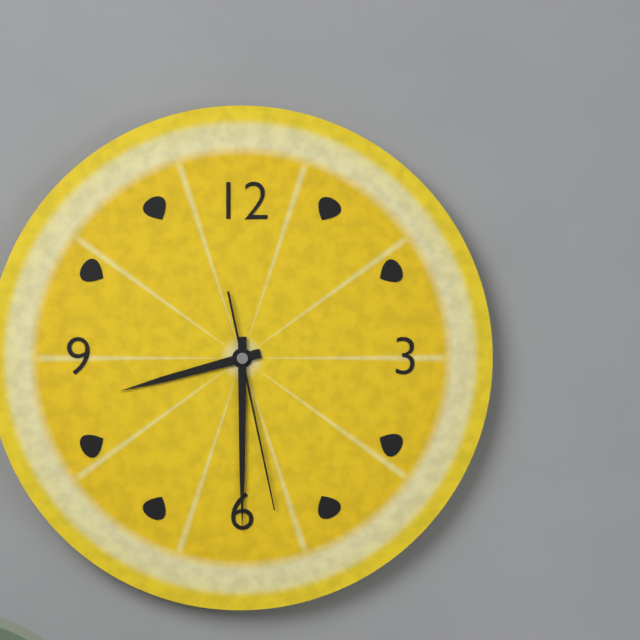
8:30:28
